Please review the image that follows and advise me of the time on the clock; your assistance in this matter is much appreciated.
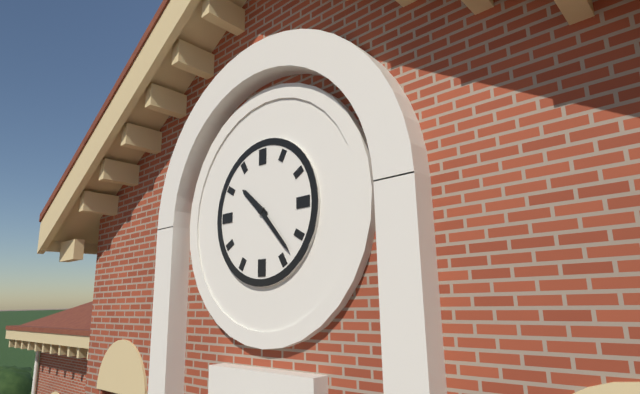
10:23
